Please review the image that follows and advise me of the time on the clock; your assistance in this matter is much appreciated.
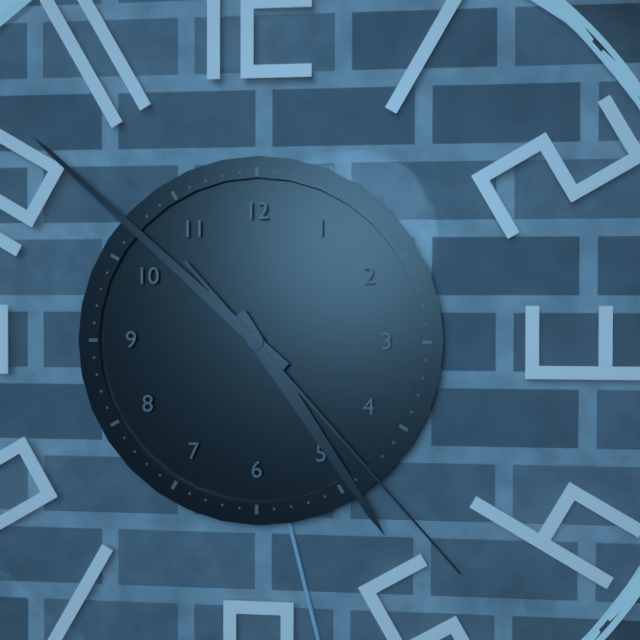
4:52:23
